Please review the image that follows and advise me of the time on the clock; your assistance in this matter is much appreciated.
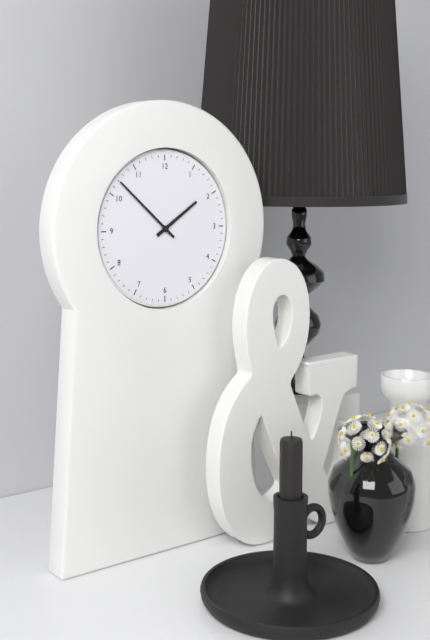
1:52
